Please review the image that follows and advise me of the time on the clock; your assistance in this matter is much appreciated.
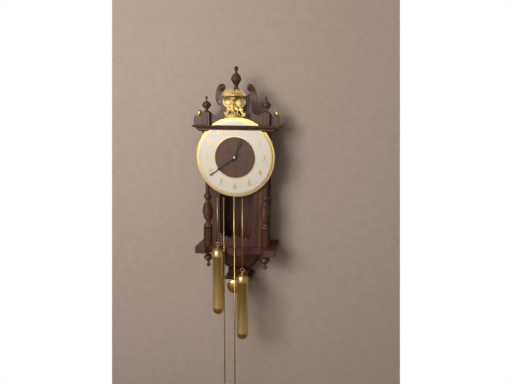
12:39
